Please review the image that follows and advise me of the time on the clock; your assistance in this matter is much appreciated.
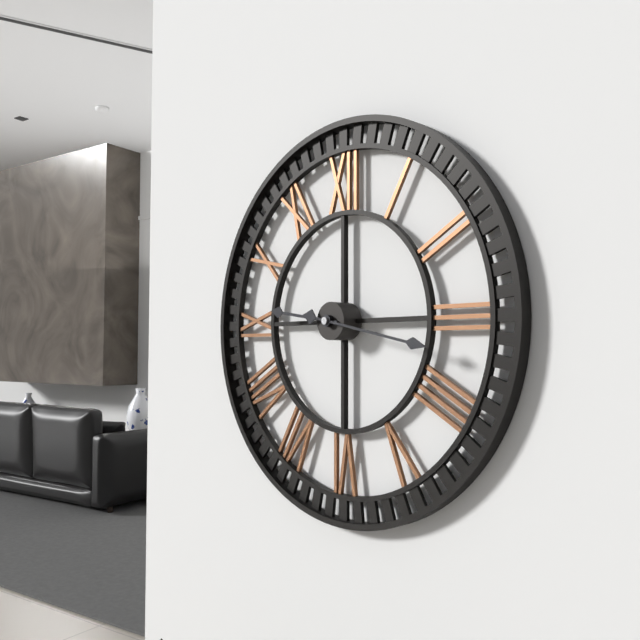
9:17
